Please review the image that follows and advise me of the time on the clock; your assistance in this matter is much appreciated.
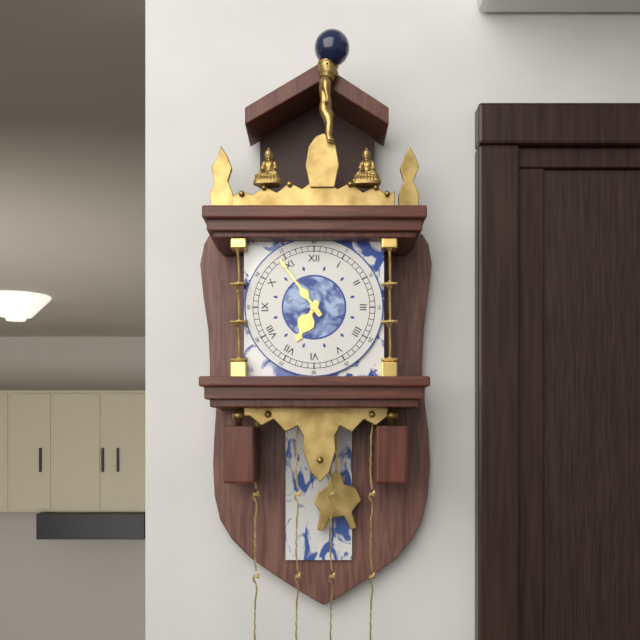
6:54
